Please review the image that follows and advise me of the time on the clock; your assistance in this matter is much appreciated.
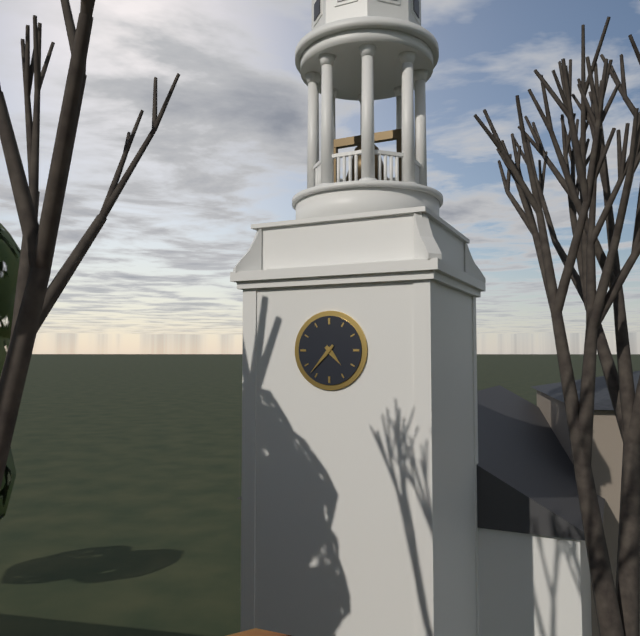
4:37
